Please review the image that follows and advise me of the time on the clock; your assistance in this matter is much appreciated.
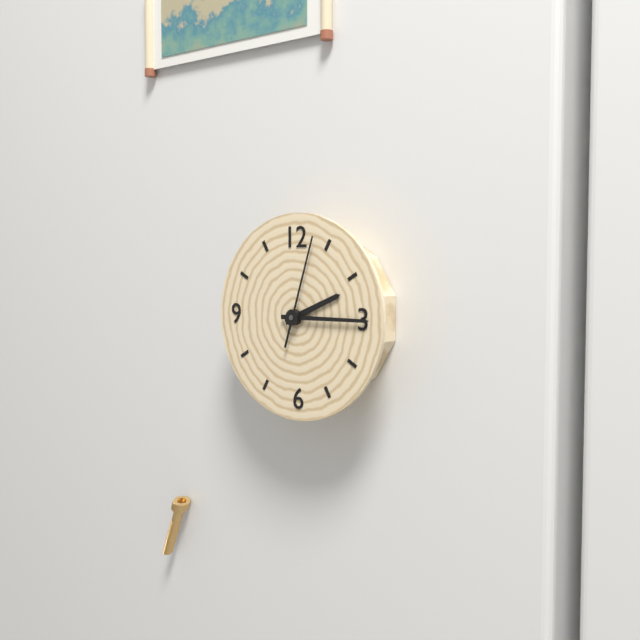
2:15:03
